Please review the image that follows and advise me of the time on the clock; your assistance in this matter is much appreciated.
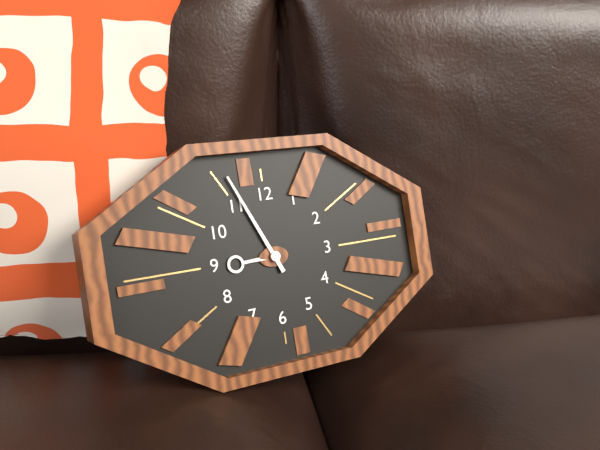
8:56
